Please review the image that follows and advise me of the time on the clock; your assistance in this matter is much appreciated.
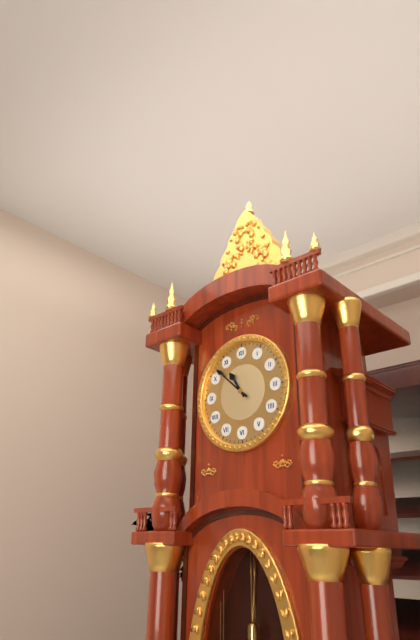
10:52
